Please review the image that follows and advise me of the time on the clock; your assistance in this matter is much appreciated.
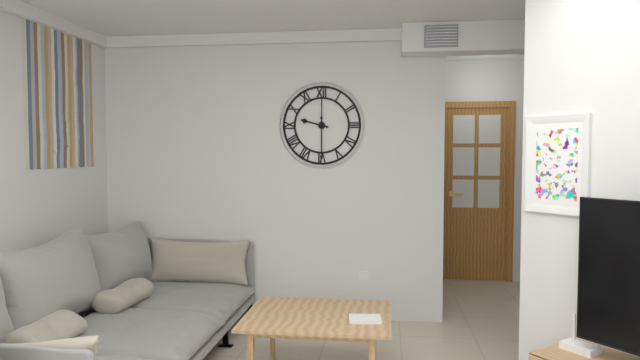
9:30
